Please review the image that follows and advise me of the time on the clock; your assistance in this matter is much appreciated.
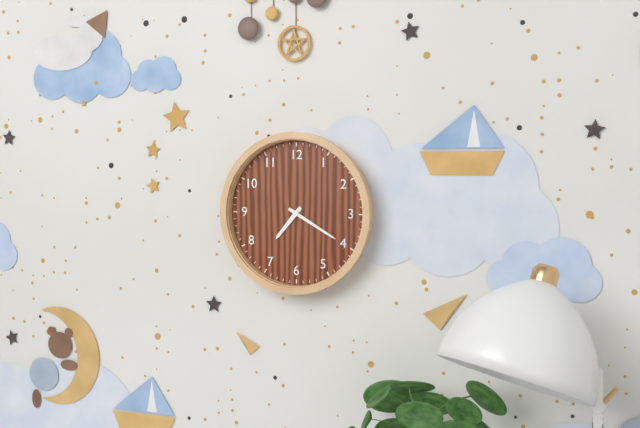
7:20
